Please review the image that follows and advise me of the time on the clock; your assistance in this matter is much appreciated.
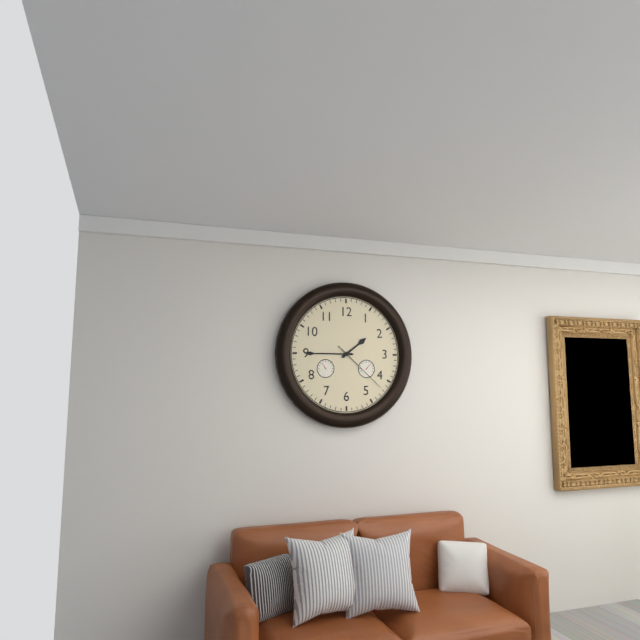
1:45:22
